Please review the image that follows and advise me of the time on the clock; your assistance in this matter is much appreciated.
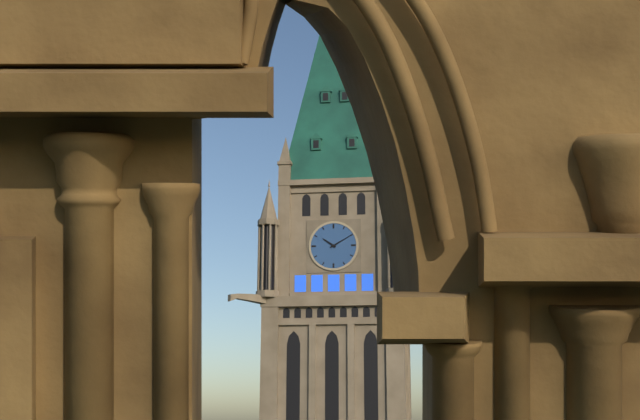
10:10
